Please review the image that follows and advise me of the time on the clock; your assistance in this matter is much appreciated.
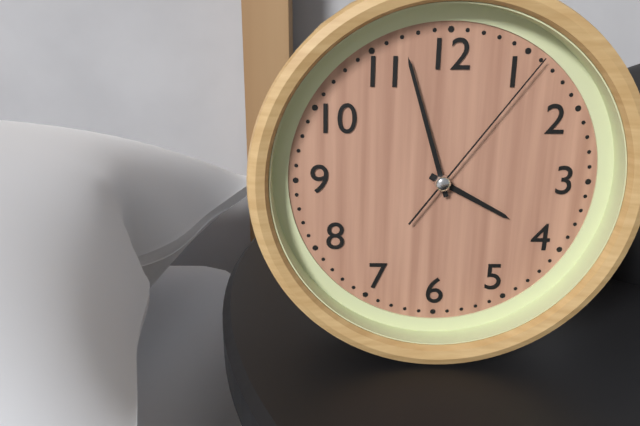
3:57:06
